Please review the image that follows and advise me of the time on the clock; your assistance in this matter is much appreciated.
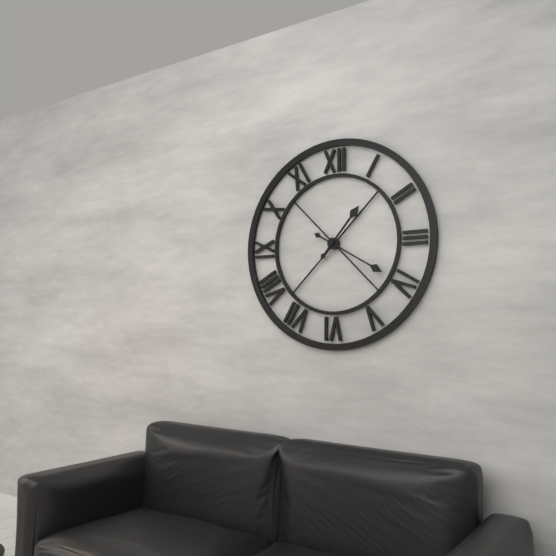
1:20
